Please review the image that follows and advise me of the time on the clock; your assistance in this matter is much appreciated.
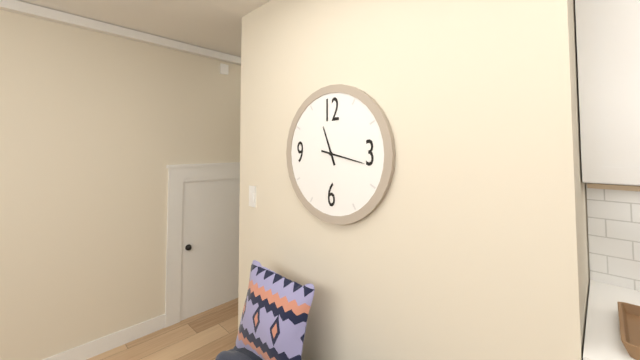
11:17
